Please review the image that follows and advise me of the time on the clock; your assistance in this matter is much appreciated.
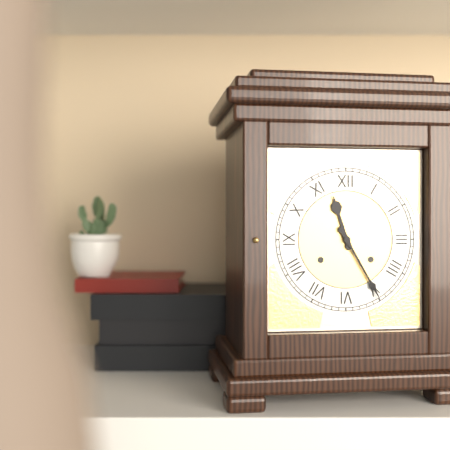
11:25
